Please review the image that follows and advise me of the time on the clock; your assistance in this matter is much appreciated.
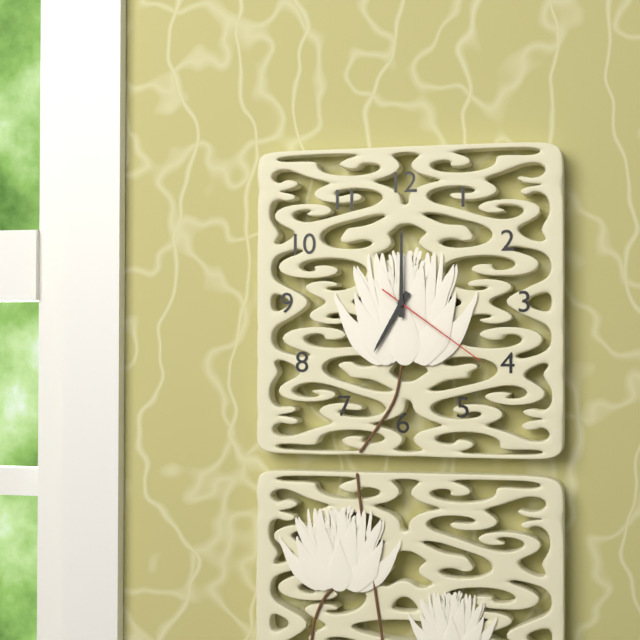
7:00:21
